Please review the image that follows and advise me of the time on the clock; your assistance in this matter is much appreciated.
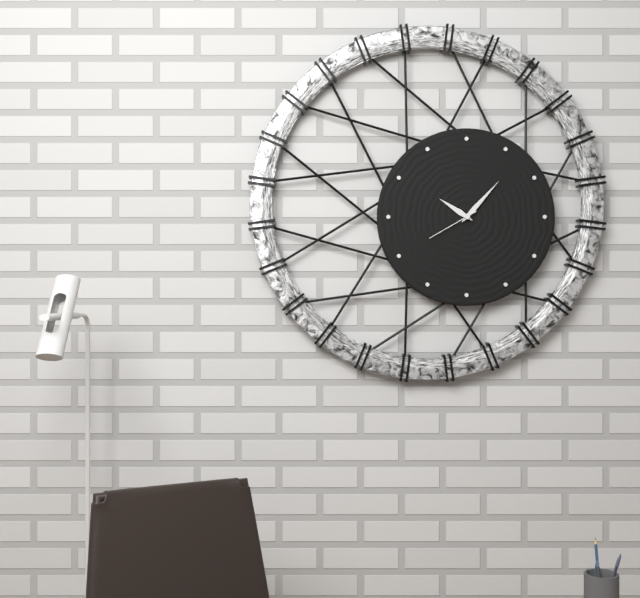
10:07:40
